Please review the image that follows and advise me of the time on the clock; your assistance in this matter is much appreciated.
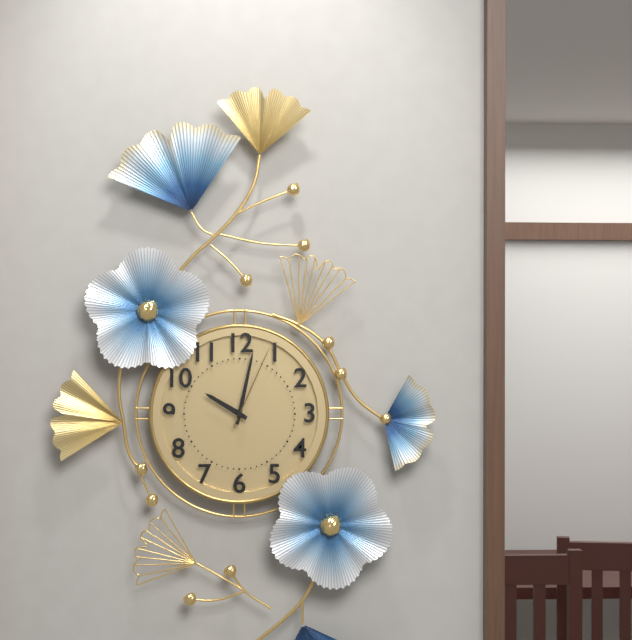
10:02:04
